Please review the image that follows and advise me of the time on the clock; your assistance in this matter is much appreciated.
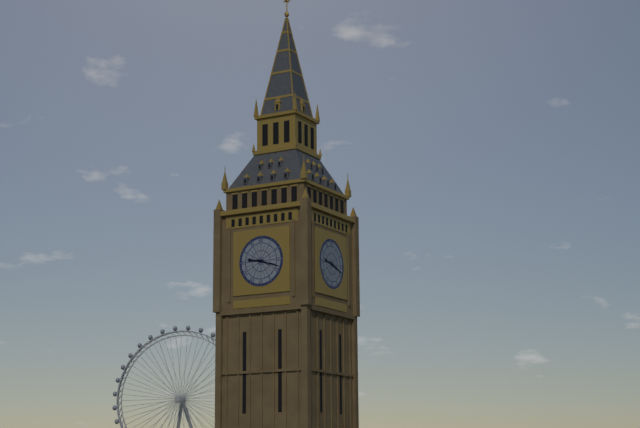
9:18
